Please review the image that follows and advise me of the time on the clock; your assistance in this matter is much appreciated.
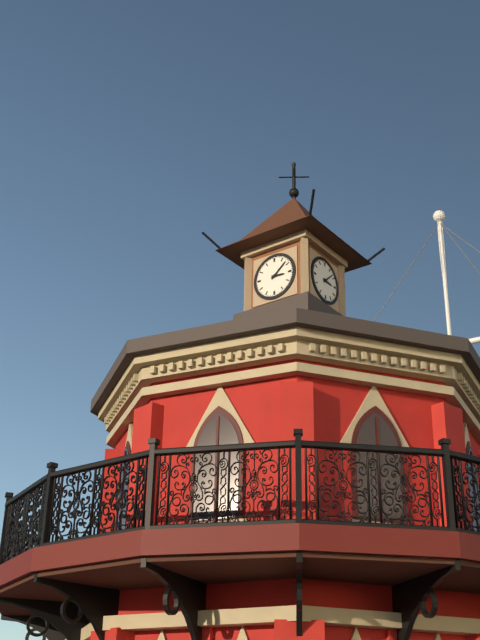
3:08
